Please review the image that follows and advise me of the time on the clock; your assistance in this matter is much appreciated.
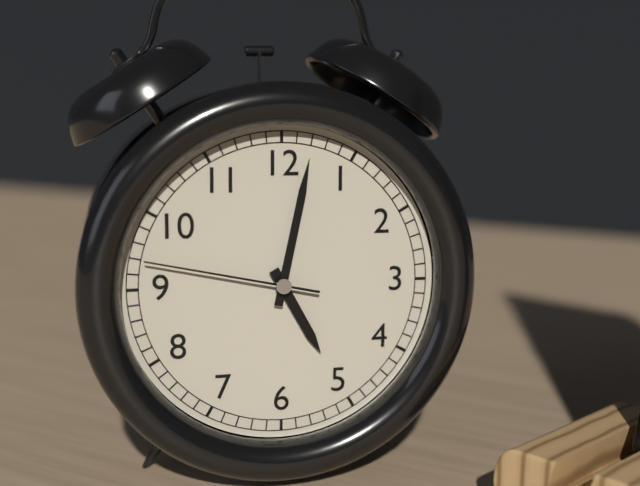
5:02:47
